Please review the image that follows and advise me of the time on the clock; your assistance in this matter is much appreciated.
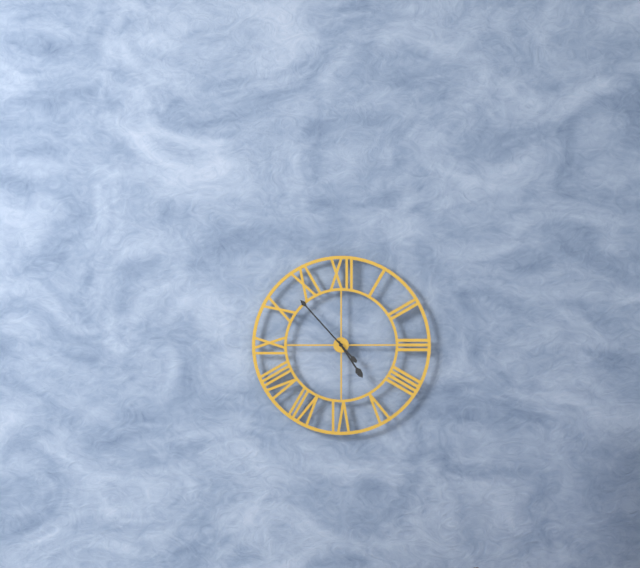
4:53
